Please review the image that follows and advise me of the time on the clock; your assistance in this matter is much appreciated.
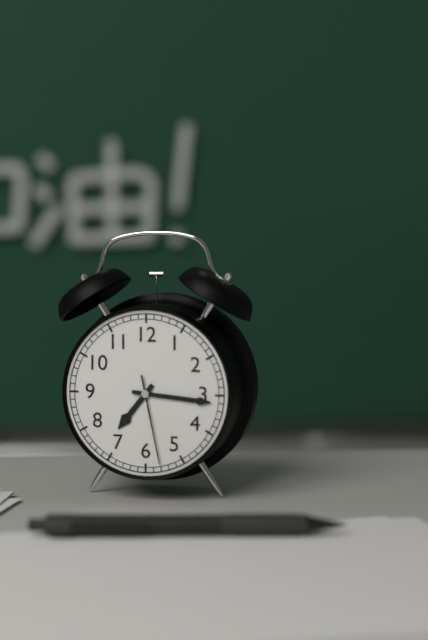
7:16:28
